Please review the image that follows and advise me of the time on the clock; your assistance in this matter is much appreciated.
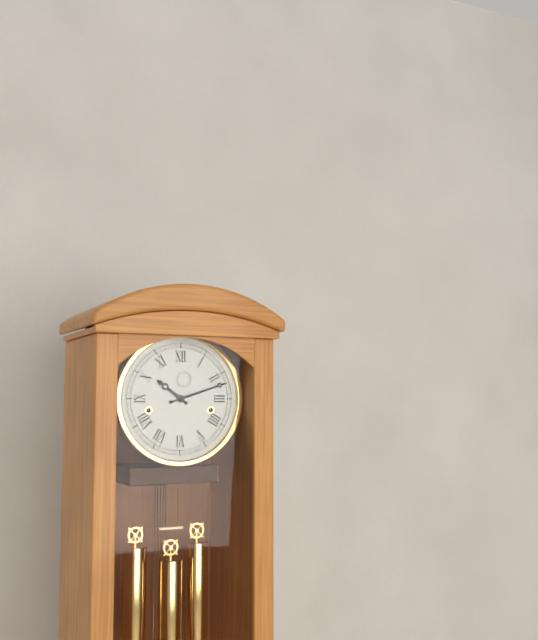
10:12
